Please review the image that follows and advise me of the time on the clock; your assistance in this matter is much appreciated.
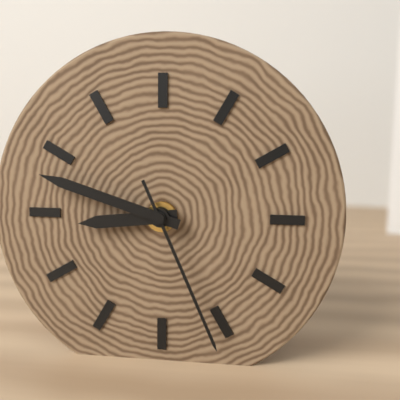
8:48:26
